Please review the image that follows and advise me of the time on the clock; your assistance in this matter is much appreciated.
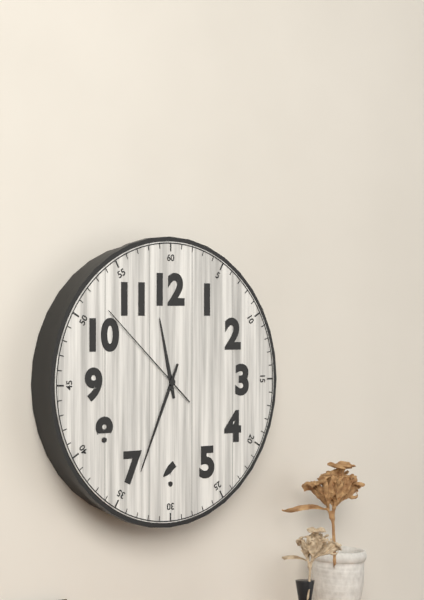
11:34:52
